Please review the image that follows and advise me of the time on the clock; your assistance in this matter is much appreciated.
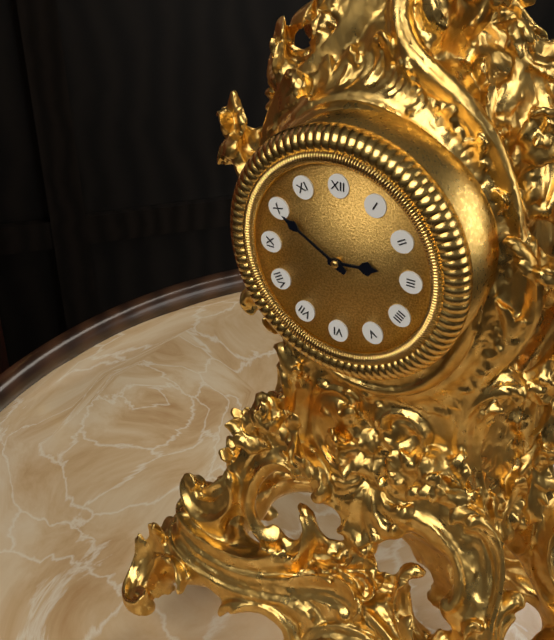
2:50
